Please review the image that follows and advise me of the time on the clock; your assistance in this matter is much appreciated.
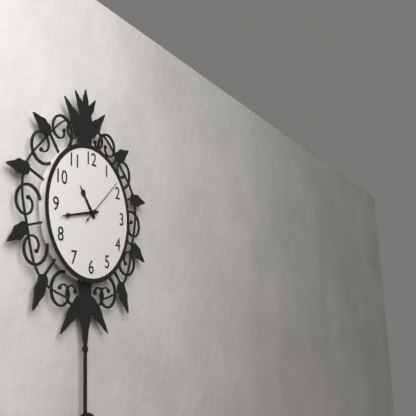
10:43
